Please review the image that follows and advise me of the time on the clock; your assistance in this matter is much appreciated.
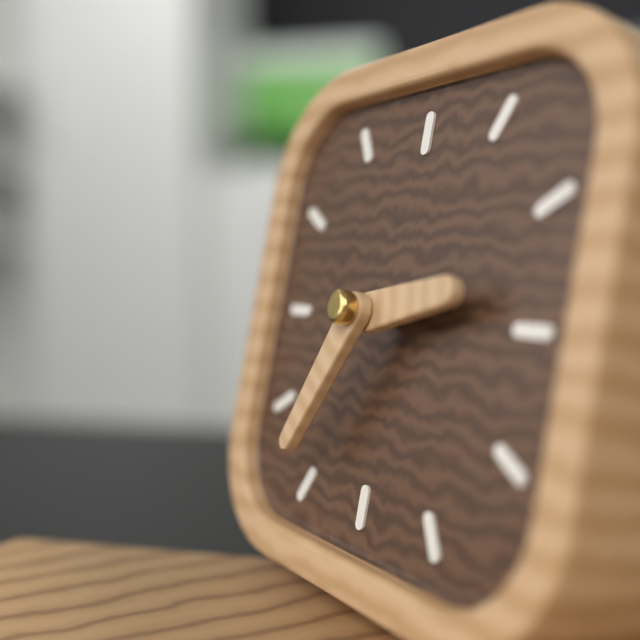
2:35
